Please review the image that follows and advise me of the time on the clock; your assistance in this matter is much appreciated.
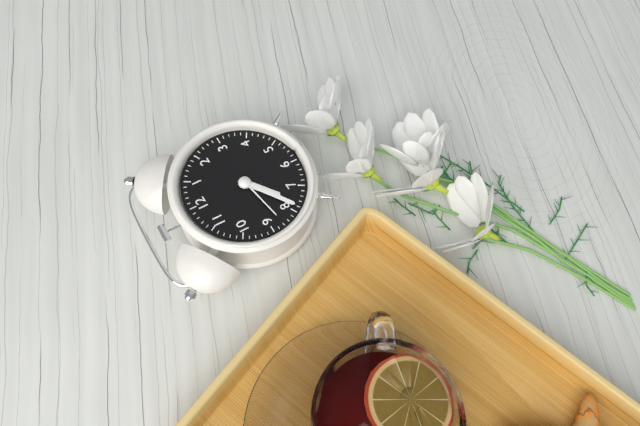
7:39:43
